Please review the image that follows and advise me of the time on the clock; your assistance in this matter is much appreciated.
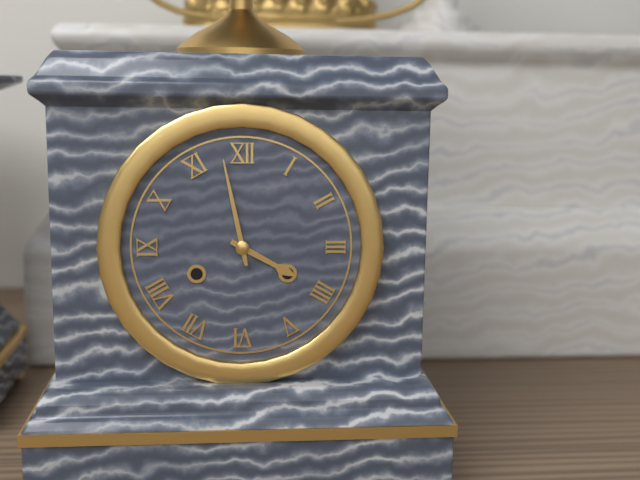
3:58
